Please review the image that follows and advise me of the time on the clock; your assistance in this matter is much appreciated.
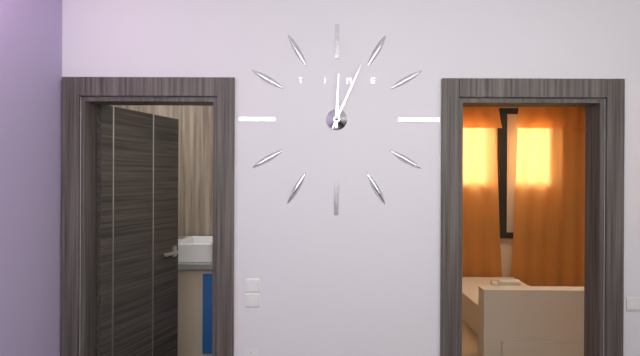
12:04
